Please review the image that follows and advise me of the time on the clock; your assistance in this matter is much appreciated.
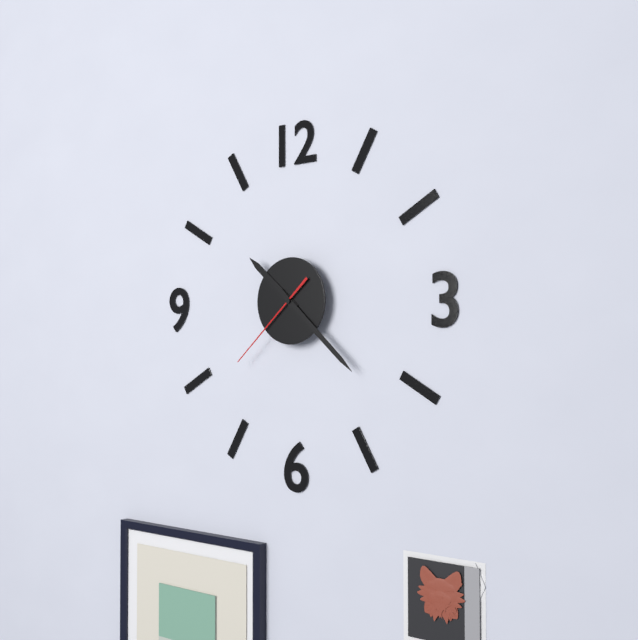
10:22:38
